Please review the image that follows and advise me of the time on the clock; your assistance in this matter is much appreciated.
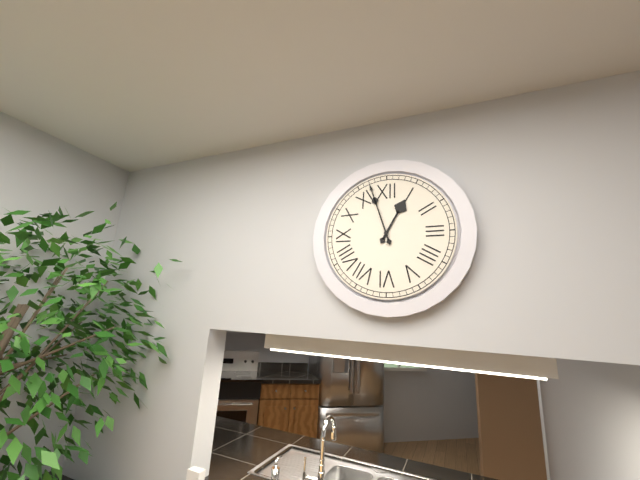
12:57
